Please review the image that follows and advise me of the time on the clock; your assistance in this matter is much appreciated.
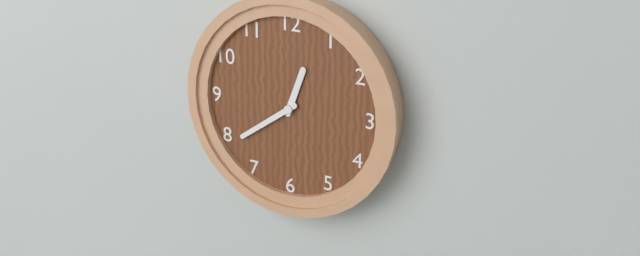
12:39
